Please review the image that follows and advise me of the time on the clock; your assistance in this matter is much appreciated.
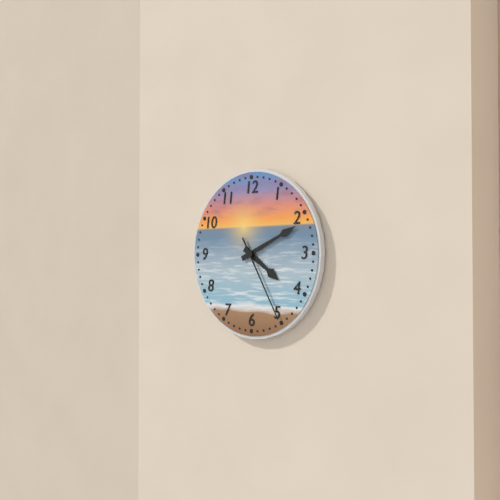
4:11:25
